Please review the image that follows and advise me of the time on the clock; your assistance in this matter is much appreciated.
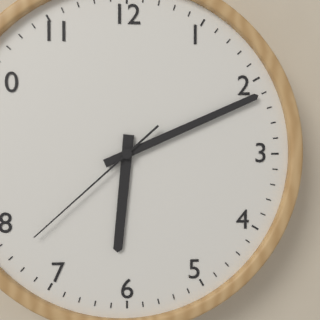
6:11:38
